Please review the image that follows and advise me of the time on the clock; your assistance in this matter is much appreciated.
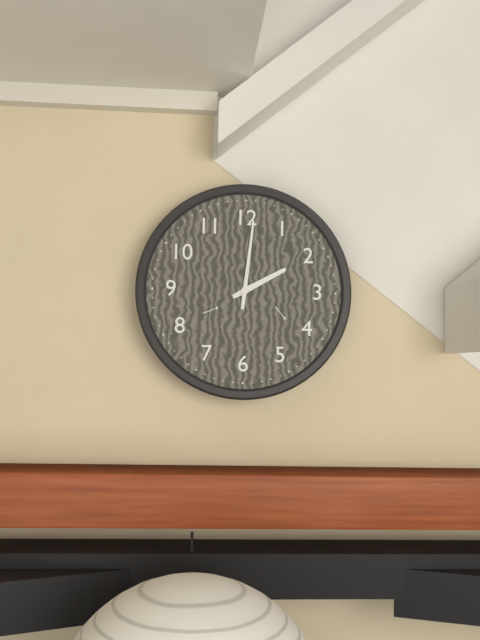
2:01
